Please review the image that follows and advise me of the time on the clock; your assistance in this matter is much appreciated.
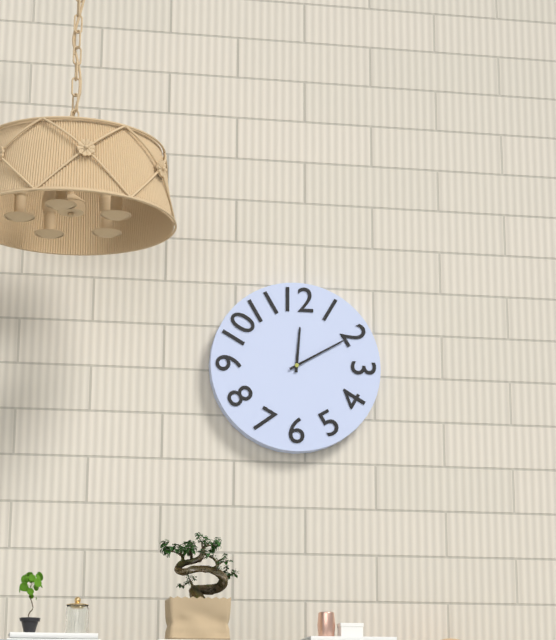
12:10
